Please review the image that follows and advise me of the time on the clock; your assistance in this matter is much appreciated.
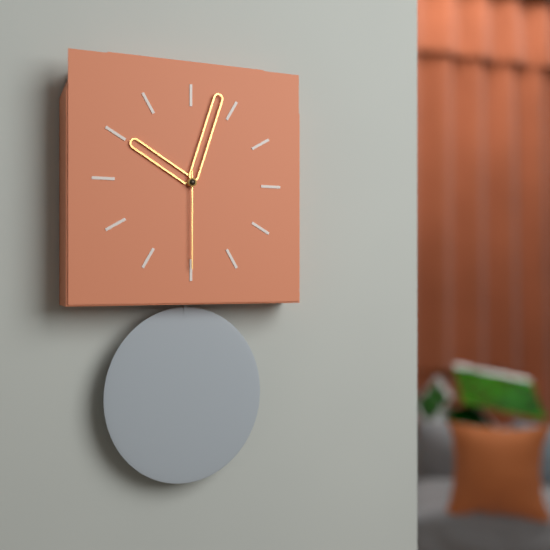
10:03:30
